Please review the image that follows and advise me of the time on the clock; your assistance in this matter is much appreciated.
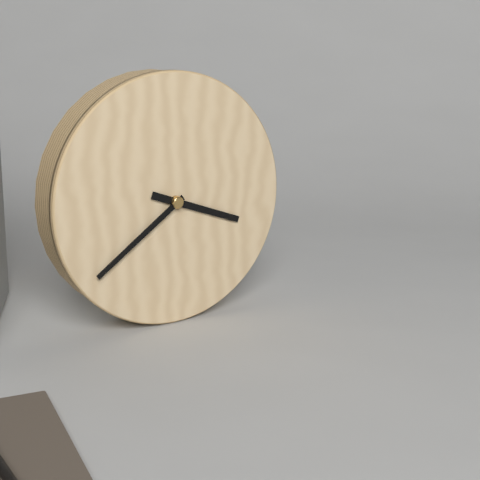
3:39
